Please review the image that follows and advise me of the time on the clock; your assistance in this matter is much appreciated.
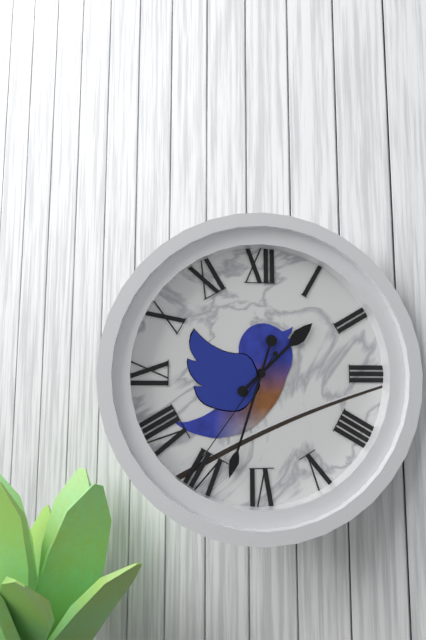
1:33:36
